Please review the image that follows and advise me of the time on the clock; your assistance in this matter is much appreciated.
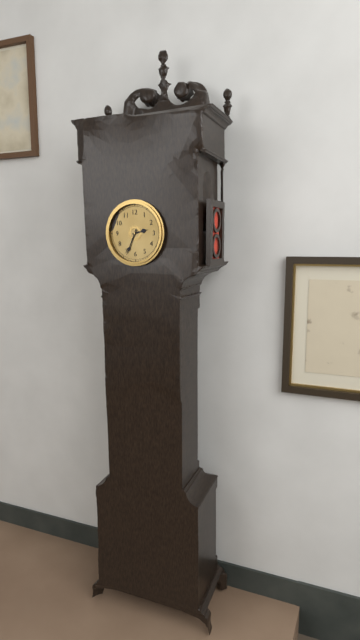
2:34
